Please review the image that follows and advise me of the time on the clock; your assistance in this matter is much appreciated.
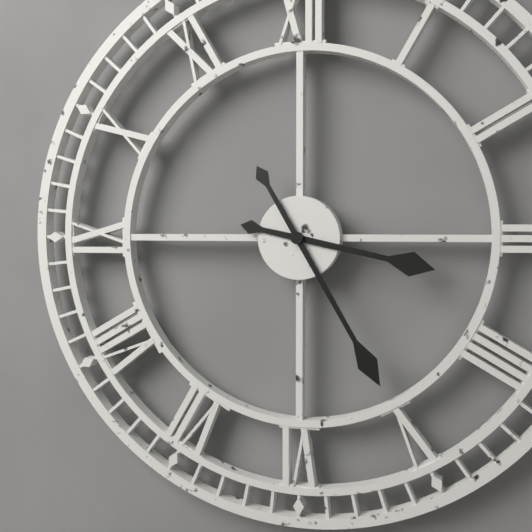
3:25
